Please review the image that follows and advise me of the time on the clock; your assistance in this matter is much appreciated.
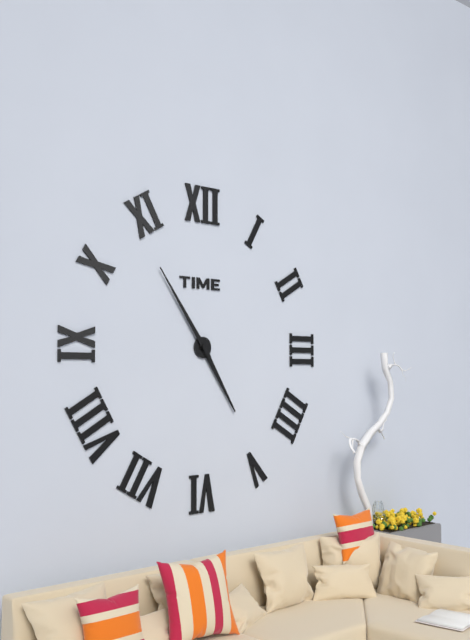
4:54
